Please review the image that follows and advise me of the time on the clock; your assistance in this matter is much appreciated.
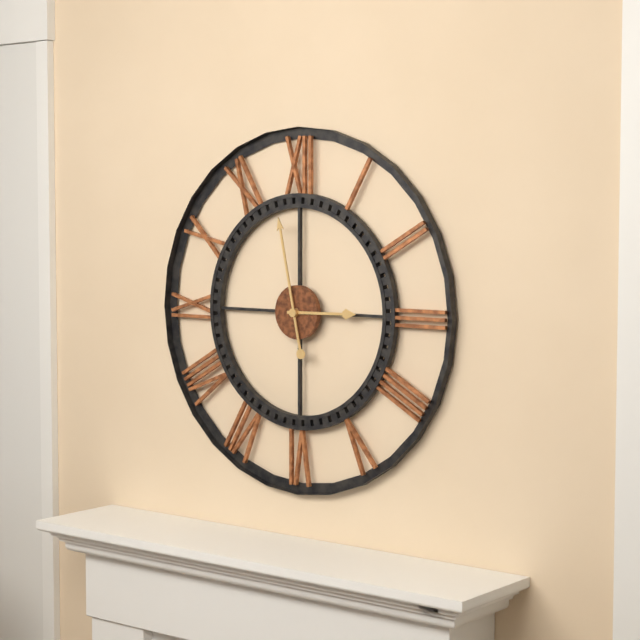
2:58
